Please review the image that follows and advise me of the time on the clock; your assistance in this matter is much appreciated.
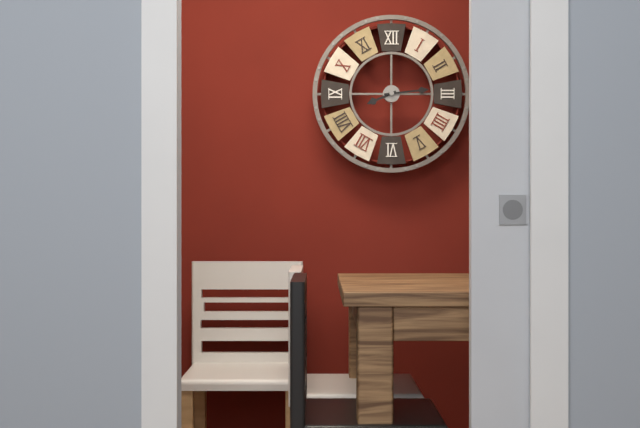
8:14
